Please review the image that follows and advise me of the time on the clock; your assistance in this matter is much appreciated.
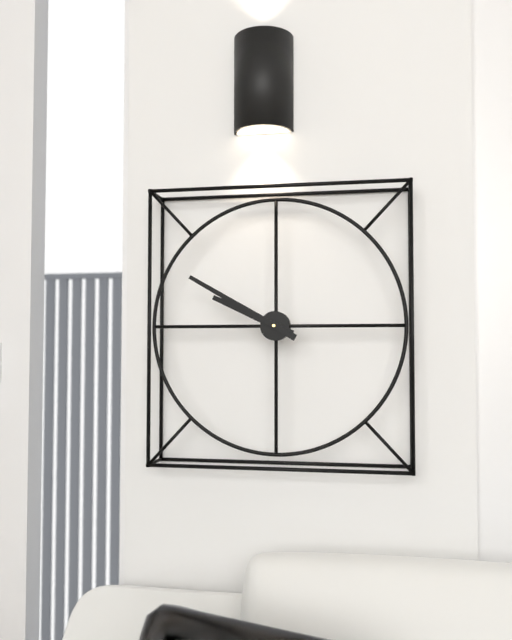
9:50
